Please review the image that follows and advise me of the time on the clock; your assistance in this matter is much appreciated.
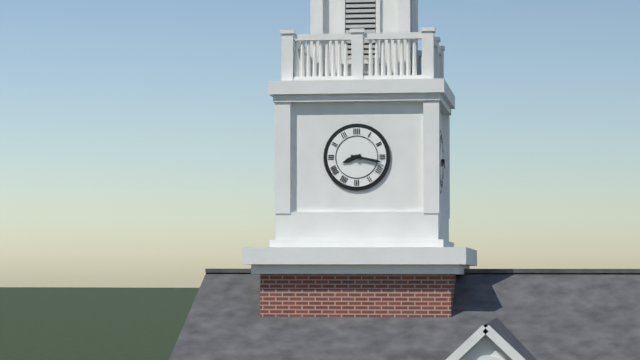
8:17
